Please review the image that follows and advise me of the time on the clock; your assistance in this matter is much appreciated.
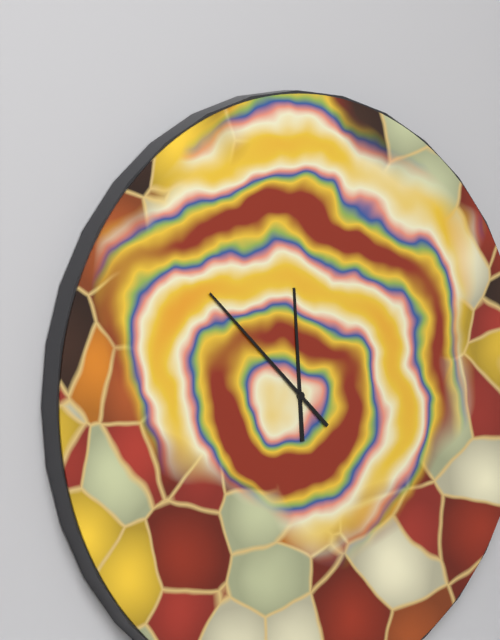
11:52
